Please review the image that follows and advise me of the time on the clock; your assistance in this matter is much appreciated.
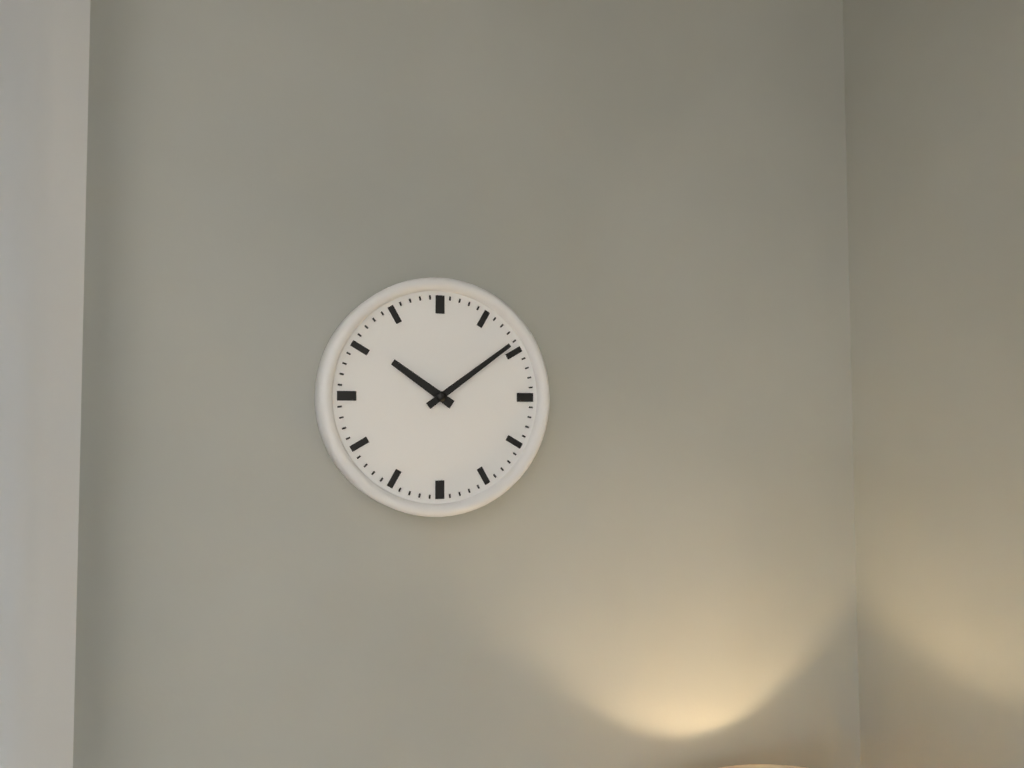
10:09
